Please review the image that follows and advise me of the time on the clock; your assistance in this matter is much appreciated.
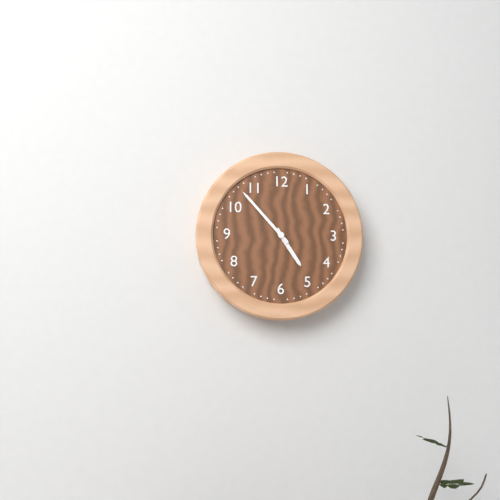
4:53
